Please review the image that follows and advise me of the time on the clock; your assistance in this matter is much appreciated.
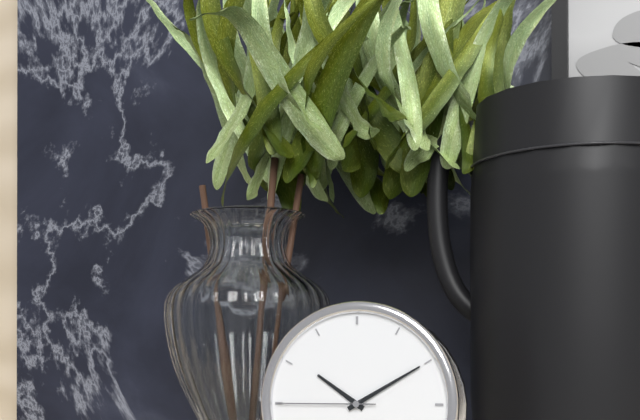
10:10:45
